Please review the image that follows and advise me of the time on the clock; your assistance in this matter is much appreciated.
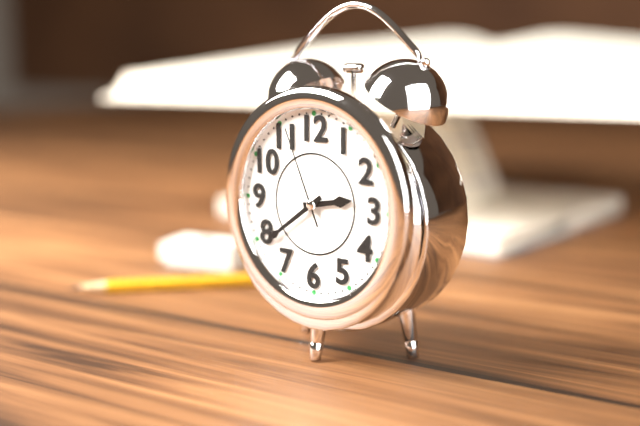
2:39:56
